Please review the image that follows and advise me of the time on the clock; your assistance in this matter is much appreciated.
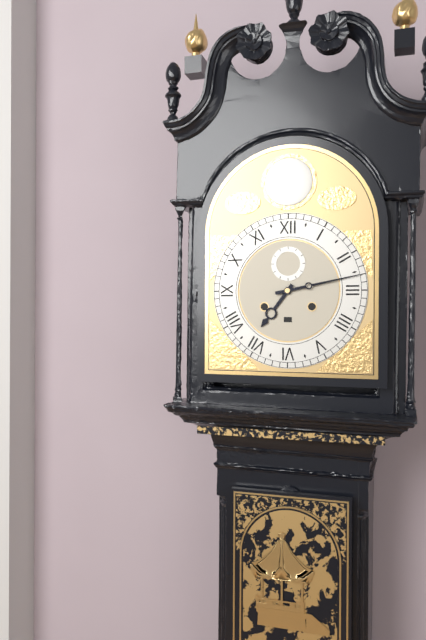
7:13
